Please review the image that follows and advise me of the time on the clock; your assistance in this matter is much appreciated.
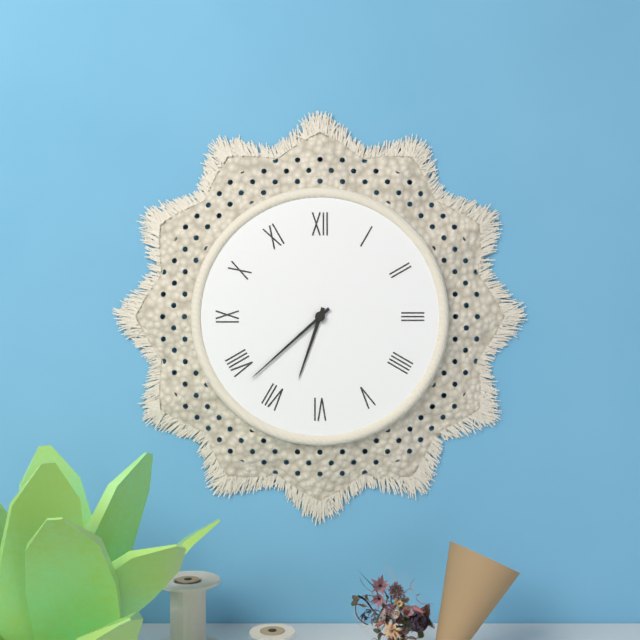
6:38
